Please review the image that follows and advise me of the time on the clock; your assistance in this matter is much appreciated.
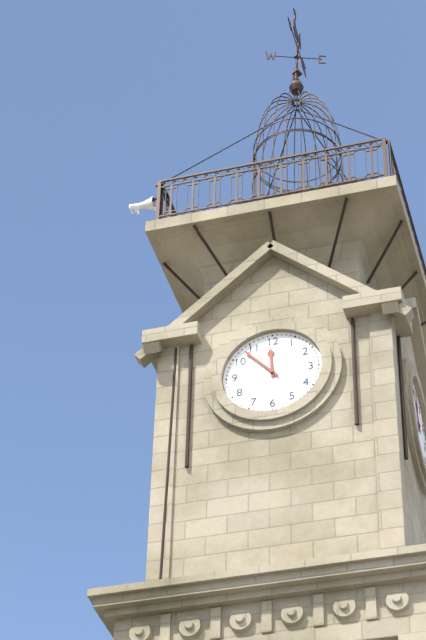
11:53
